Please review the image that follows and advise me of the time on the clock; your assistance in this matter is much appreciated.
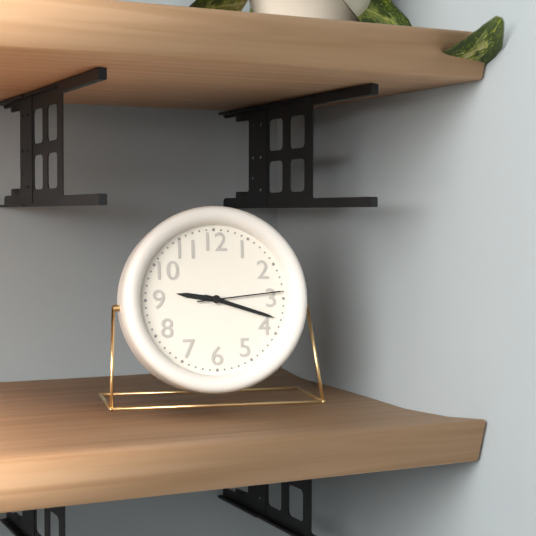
9:18:14
